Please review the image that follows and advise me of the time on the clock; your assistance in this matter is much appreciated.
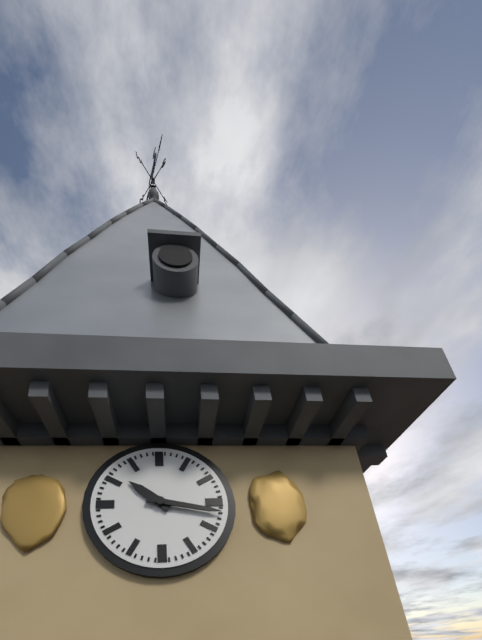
10:17
